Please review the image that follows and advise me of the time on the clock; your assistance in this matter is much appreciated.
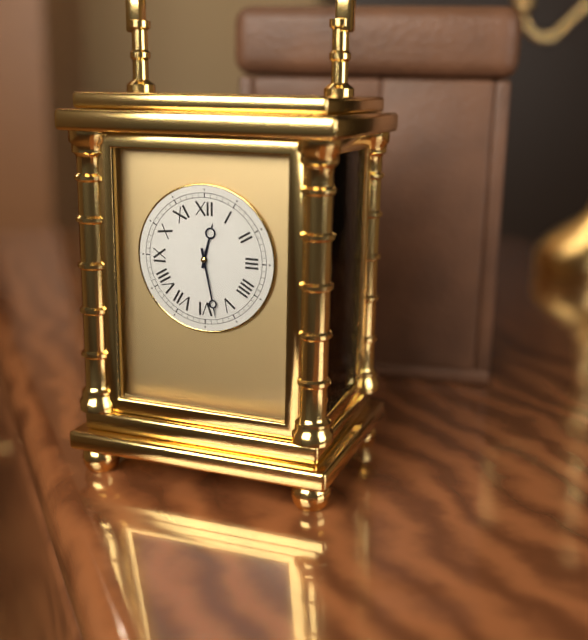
12:28
